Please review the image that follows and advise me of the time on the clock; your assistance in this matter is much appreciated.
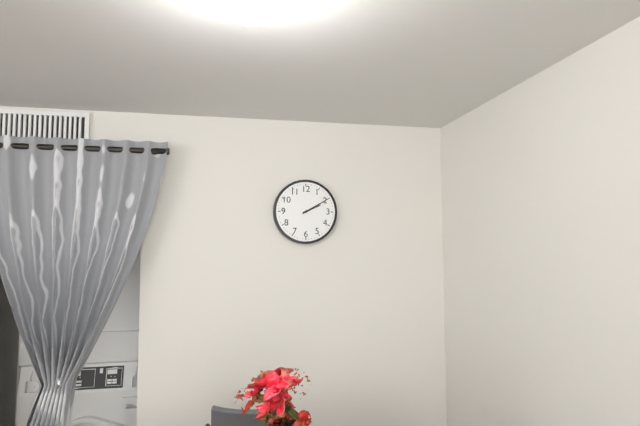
2:10
